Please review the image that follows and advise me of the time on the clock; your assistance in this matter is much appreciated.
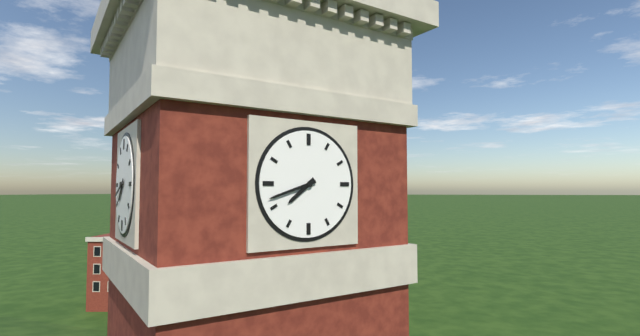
7:42
